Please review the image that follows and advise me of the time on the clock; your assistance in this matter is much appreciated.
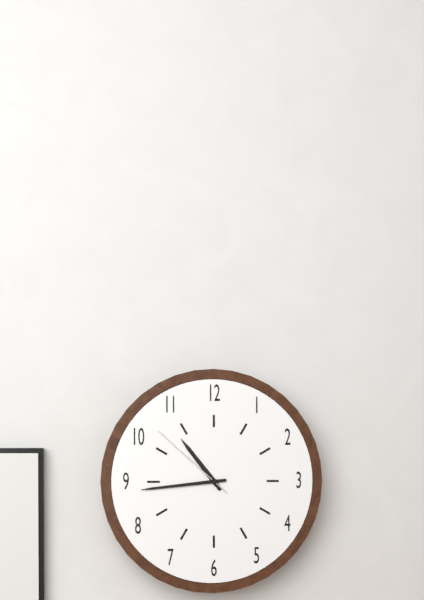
10:44:52
